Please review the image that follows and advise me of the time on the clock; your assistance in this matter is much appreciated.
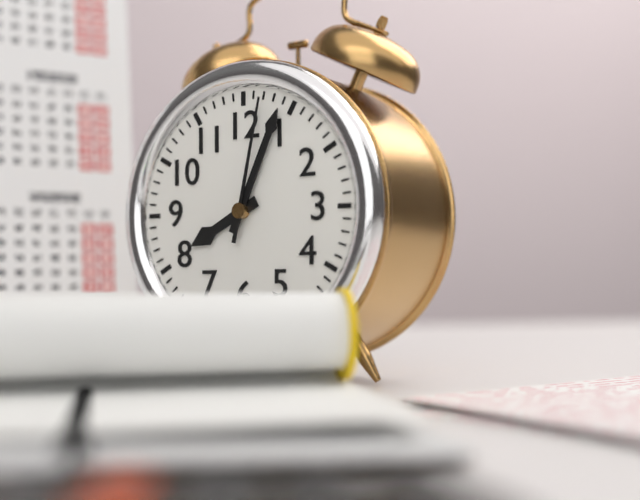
8:04:02
